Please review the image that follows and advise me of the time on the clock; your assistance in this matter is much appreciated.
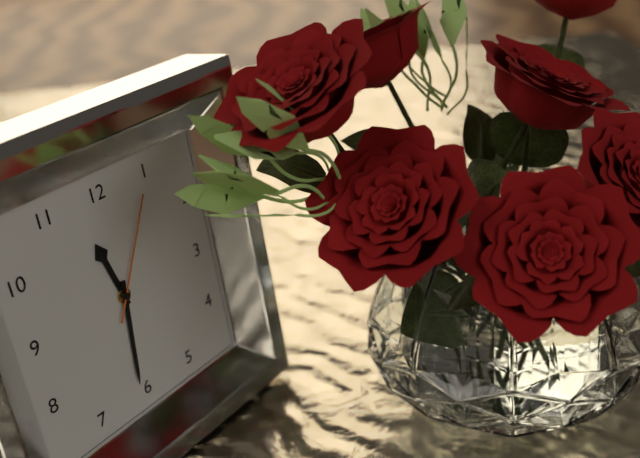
11:31:05
